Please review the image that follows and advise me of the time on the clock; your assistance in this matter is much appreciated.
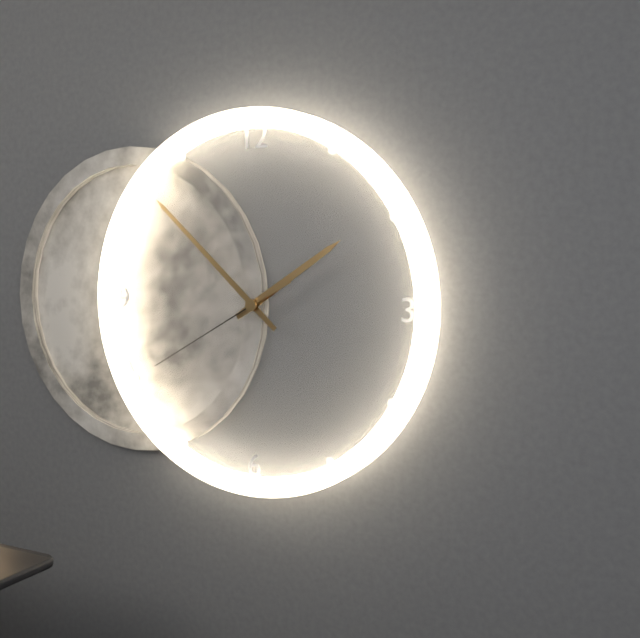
1:52:40
